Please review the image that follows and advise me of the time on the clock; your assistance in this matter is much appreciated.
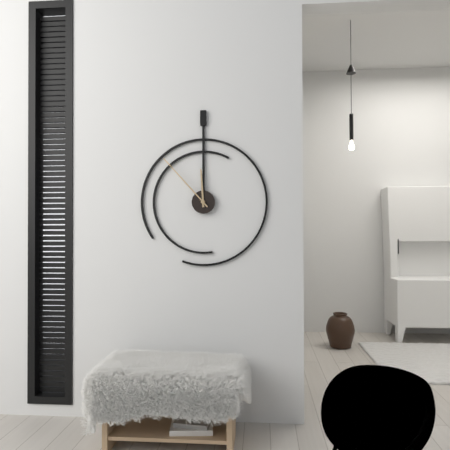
11:53
